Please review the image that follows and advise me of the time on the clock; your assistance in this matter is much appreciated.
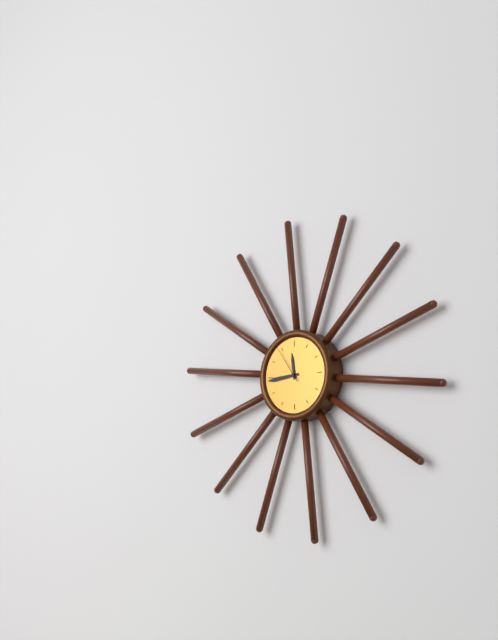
11:44
